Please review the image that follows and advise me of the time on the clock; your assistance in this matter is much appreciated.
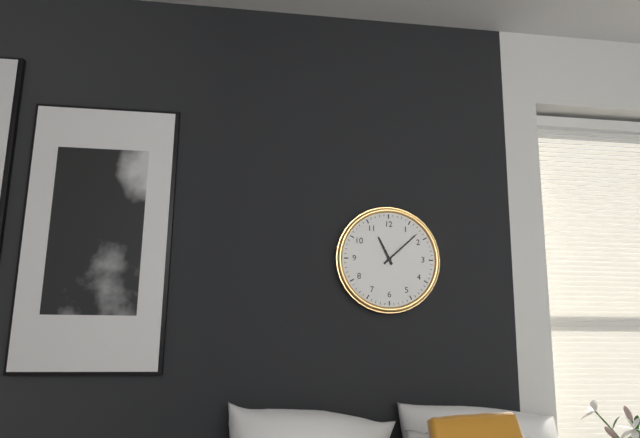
11:08
